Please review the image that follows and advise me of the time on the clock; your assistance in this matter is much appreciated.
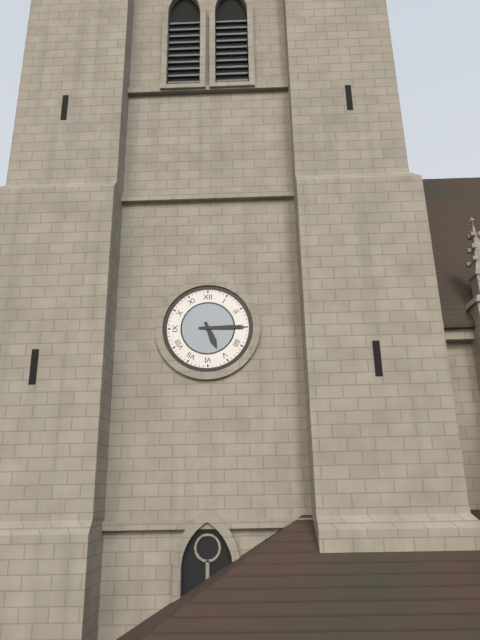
5:15
